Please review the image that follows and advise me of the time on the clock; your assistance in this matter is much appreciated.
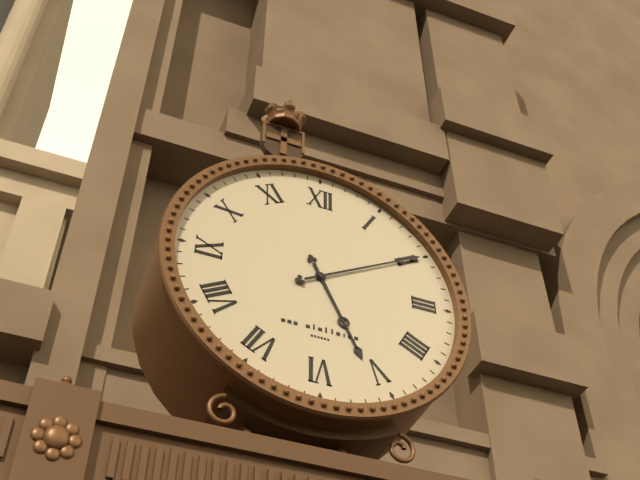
5:10
